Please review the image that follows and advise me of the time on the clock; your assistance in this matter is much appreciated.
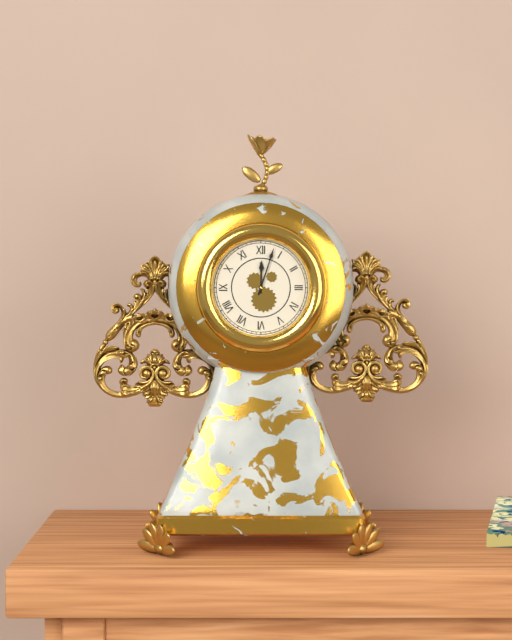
12:03
